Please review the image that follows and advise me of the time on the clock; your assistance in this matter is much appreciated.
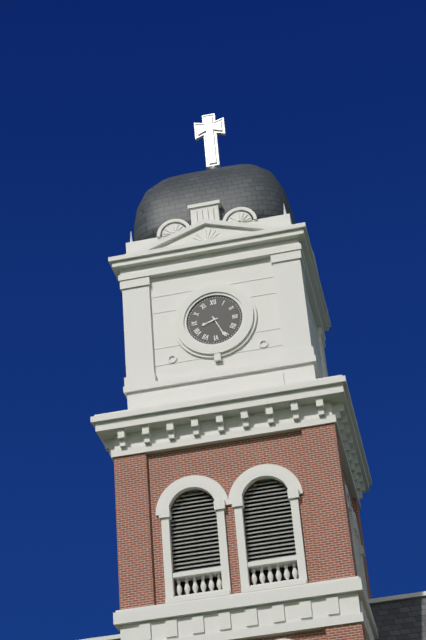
8:26
